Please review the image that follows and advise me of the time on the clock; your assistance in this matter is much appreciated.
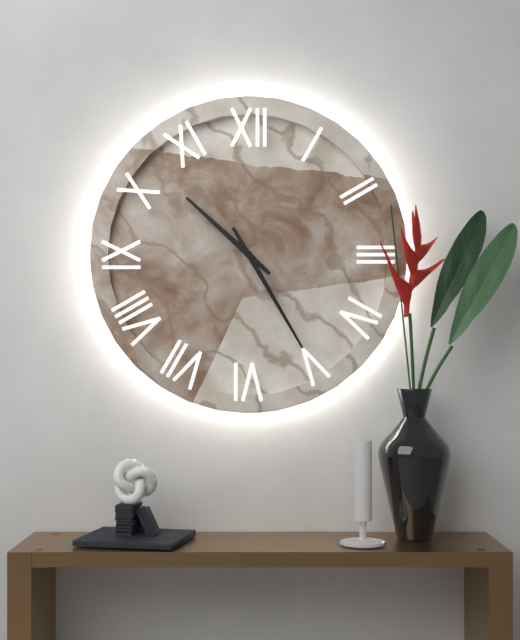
10:25
